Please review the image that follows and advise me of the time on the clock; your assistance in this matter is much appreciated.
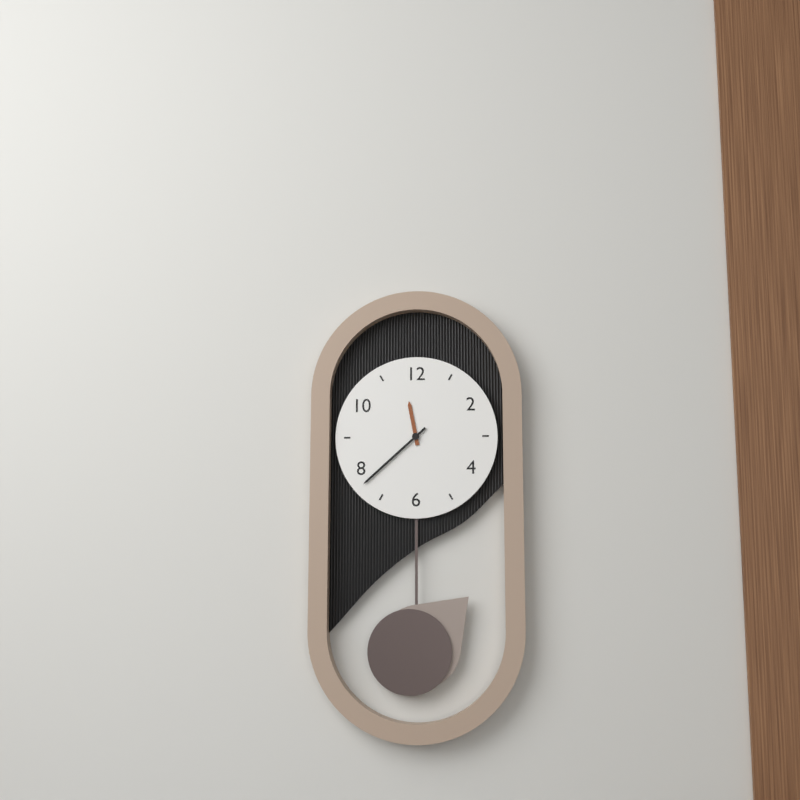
11:38
